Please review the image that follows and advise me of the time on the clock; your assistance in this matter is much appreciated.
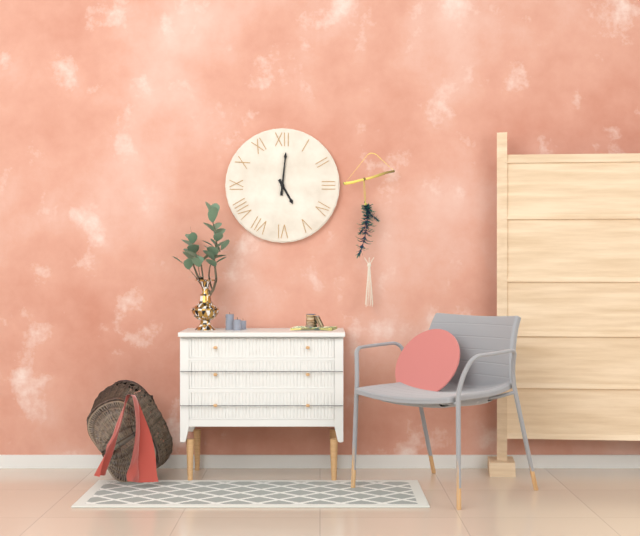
5:01
